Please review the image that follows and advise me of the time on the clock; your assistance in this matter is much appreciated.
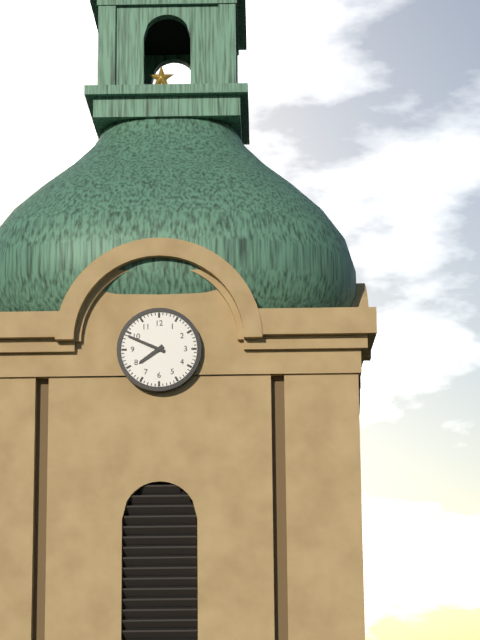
7:49
